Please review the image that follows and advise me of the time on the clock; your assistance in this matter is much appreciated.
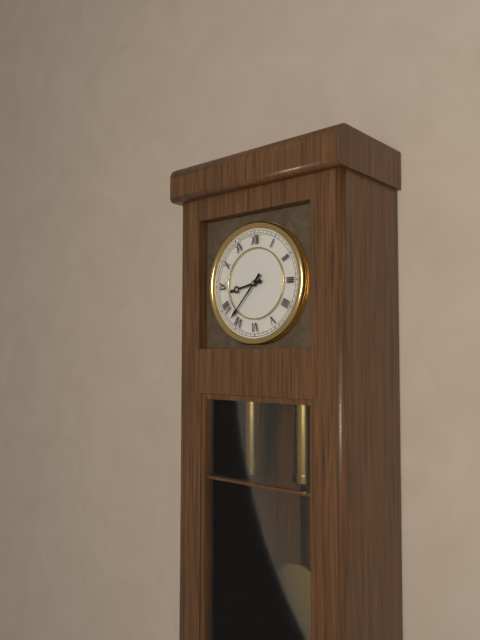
8:37
